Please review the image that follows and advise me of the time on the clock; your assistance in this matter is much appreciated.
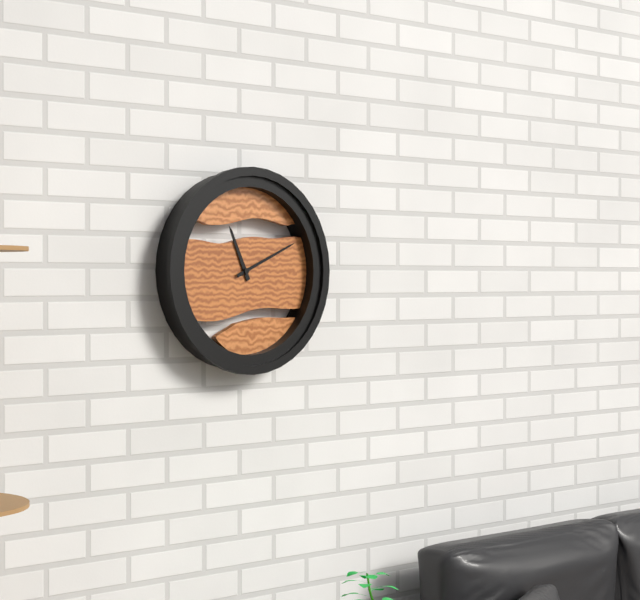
11:11
